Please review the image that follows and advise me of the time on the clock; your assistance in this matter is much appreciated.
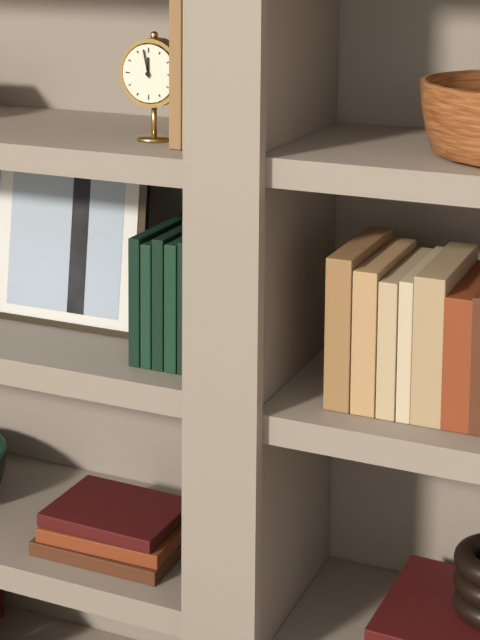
11:58
